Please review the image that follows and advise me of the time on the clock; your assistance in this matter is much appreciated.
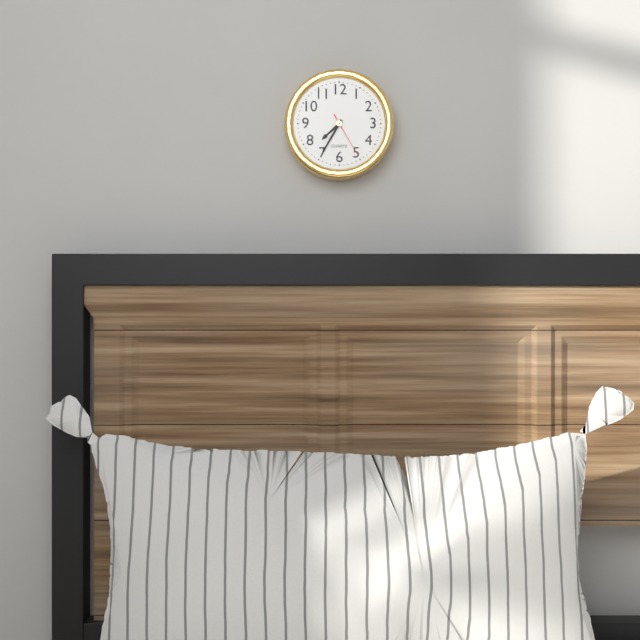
7:35
